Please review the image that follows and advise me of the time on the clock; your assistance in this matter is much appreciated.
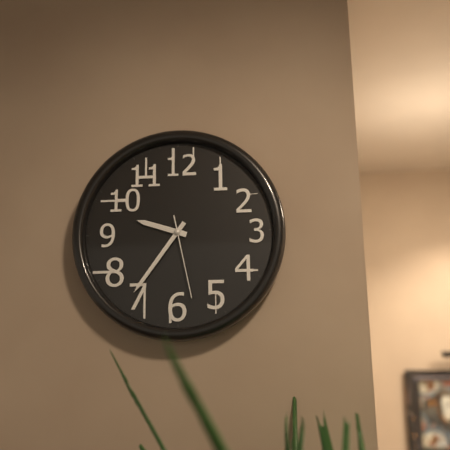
9:36:28
